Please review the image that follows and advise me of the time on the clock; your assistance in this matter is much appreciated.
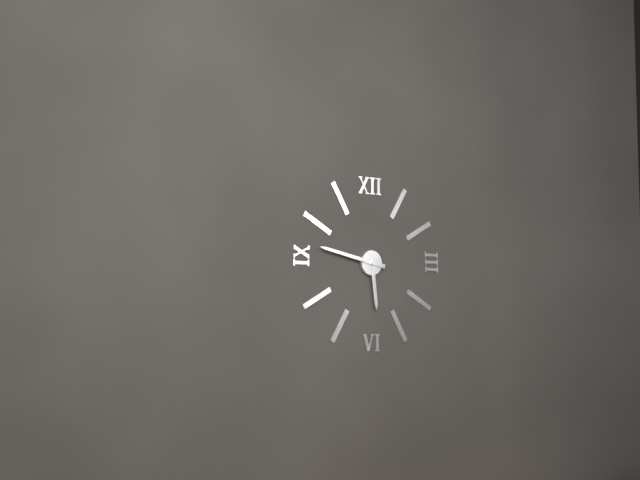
5:47
